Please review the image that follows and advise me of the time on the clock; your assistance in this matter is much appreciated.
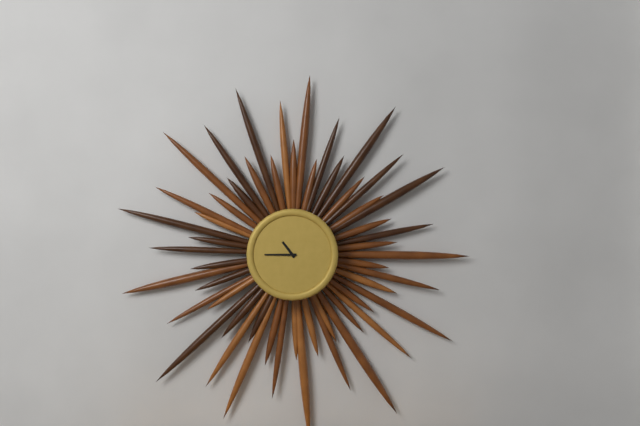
10:45
